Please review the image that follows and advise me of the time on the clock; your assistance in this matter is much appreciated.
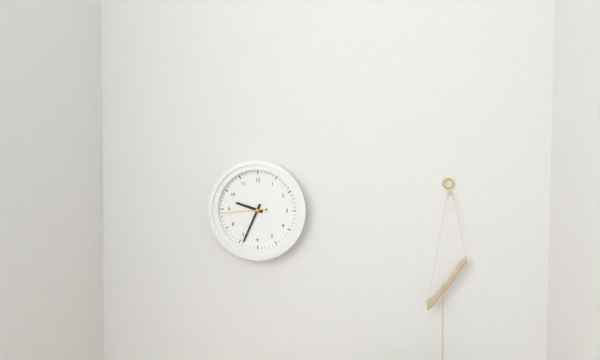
9:34
